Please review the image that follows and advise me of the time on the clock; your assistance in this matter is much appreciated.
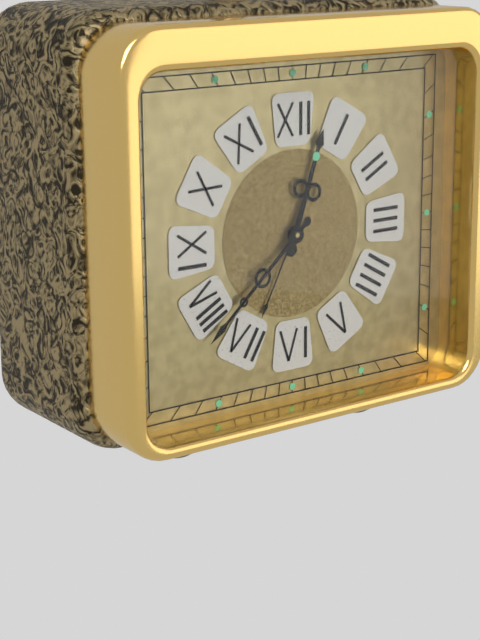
12:38
